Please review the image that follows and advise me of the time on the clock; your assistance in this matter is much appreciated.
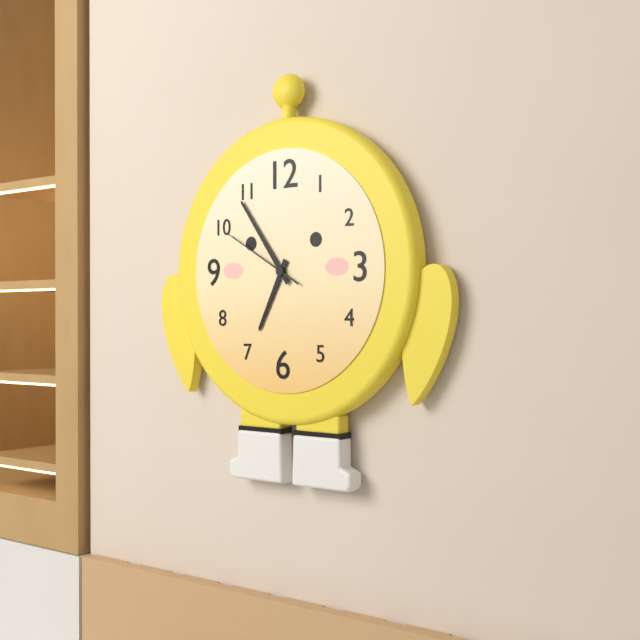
6:54:50
